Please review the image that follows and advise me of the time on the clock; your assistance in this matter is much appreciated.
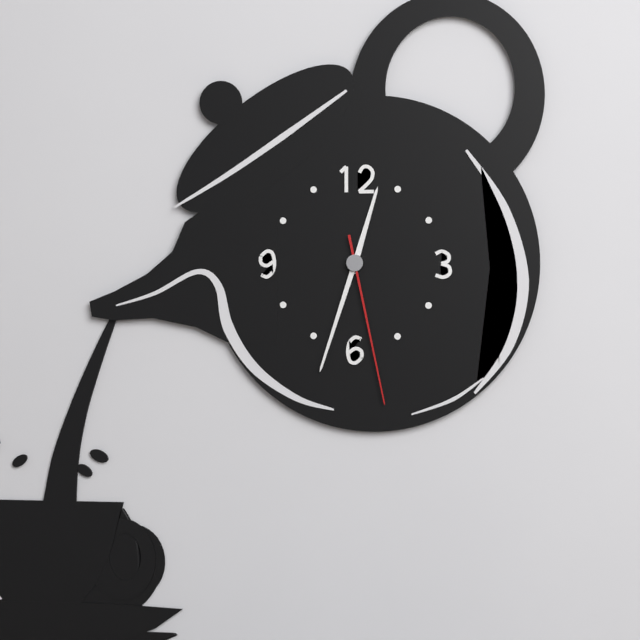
12:33:28
